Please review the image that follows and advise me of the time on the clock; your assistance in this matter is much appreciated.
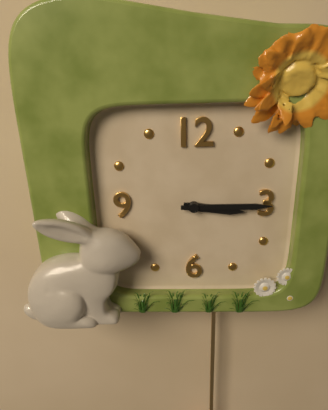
3:15
